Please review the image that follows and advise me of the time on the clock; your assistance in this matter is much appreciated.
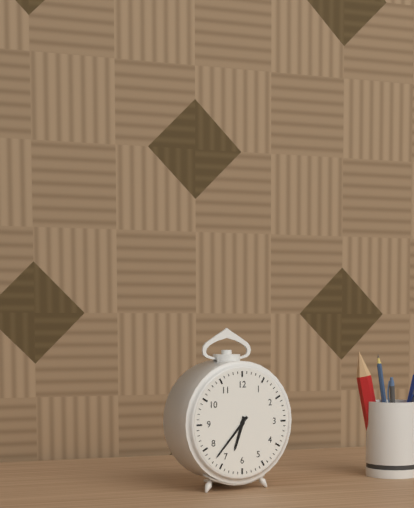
6:37
